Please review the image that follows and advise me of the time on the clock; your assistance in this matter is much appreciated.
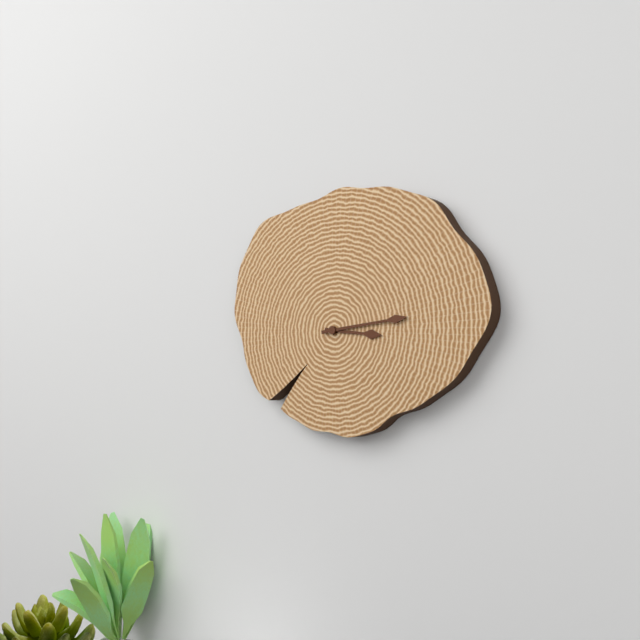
3:14
